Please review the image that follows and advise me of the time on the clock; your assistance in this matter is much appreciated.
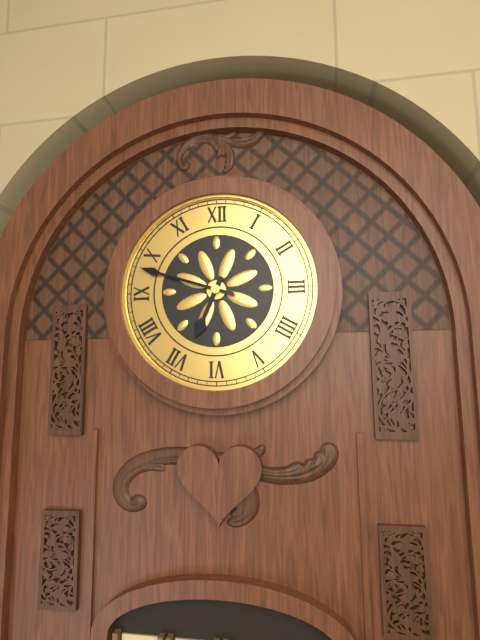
6:48
